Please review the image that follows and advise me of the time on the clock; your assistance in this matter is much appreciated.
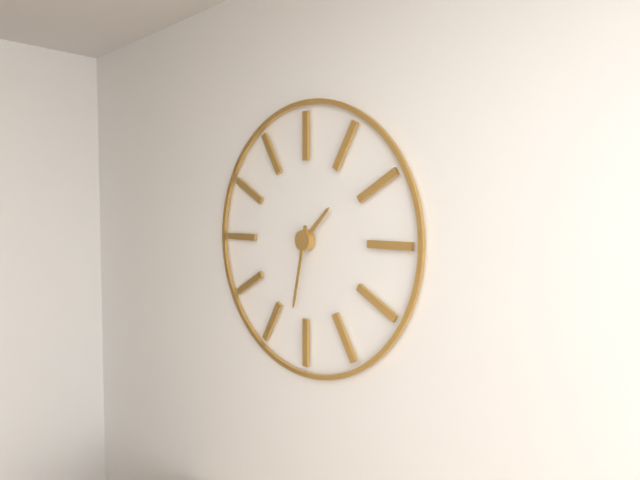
1:32
